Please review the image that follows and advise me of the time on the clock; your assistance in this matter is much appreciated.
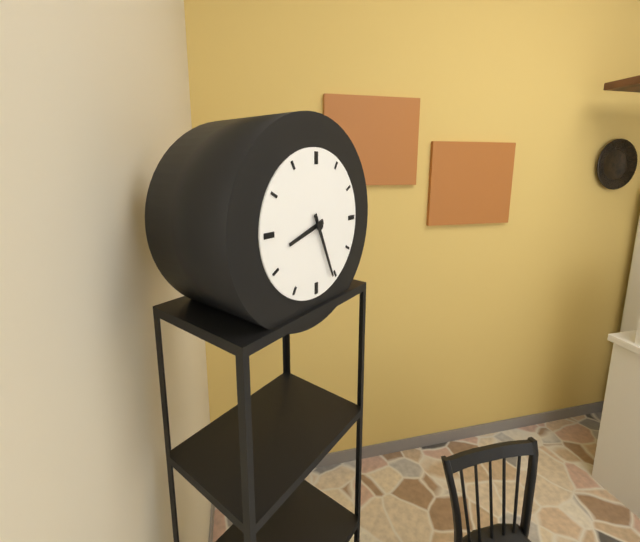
8:26
